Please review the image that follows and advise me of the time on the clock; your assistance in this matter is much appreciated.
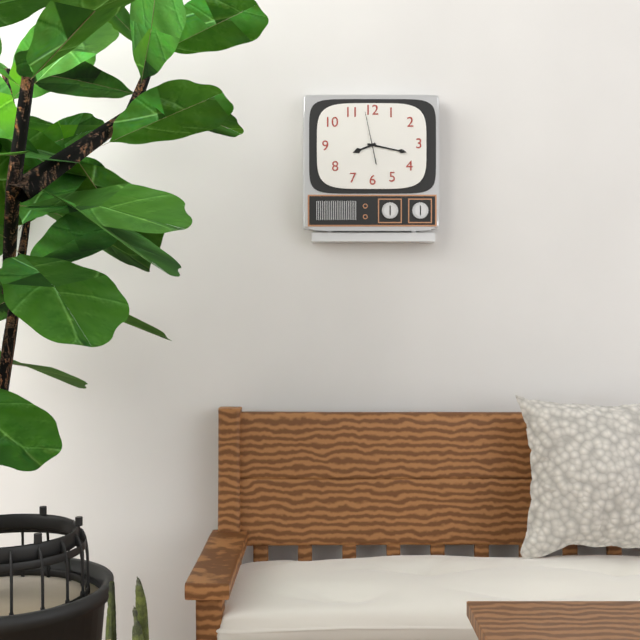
8:17
